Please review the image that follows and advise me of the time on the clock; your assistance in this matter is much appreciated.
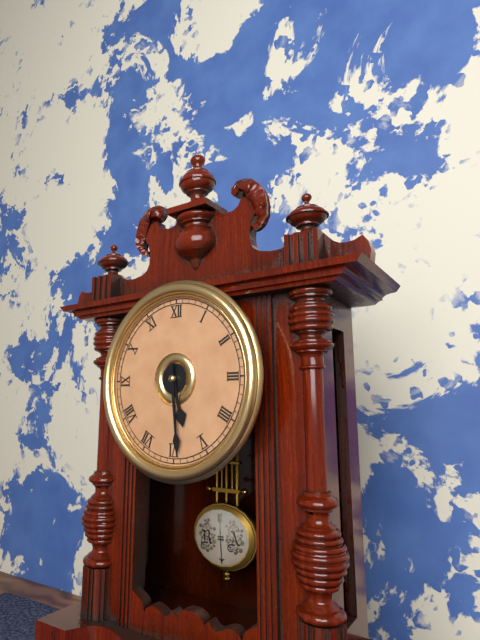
5:29
